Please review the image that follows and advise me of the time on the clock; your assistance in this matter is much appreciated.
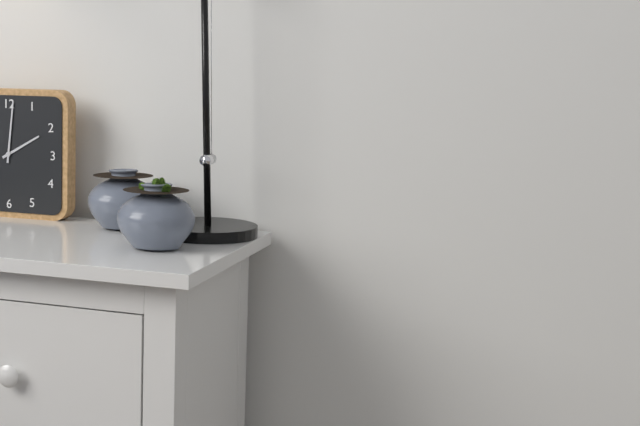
2:01
